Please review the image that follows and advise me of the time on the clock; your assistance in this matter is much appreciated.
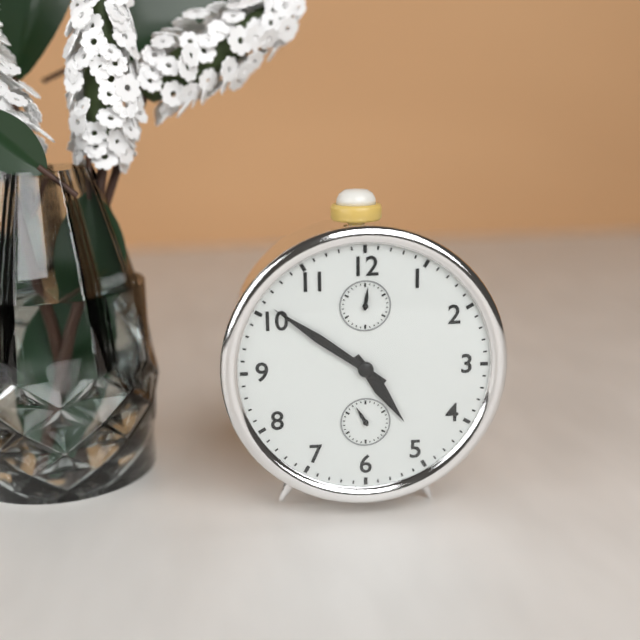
4:51
